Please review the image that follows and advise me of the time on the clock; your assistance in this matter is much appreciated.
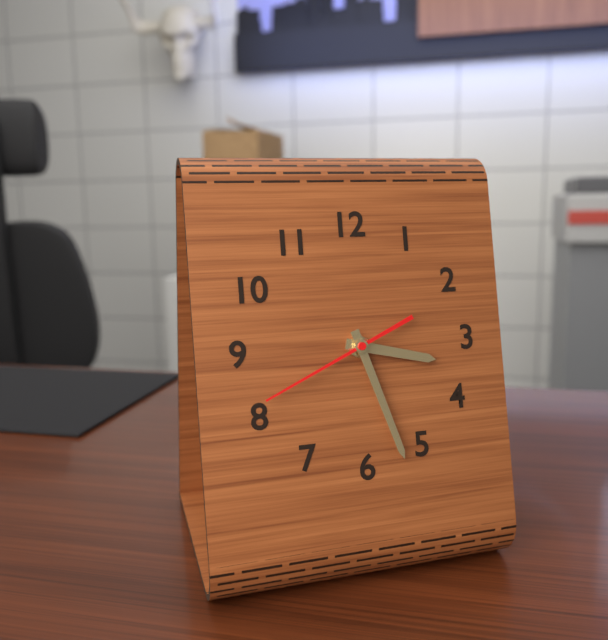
3:27:41
